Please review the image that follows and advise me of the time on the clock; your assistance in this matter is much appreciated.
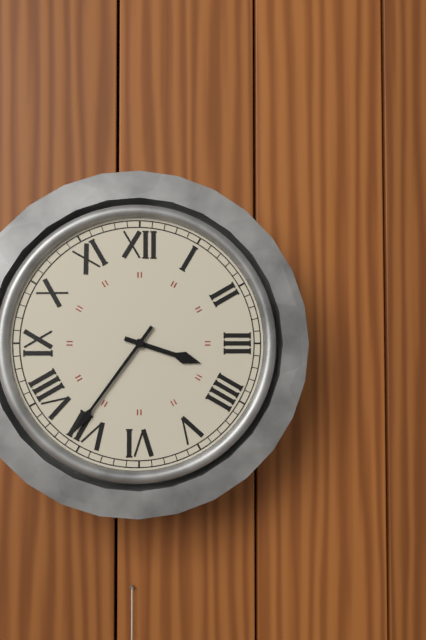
3:36
